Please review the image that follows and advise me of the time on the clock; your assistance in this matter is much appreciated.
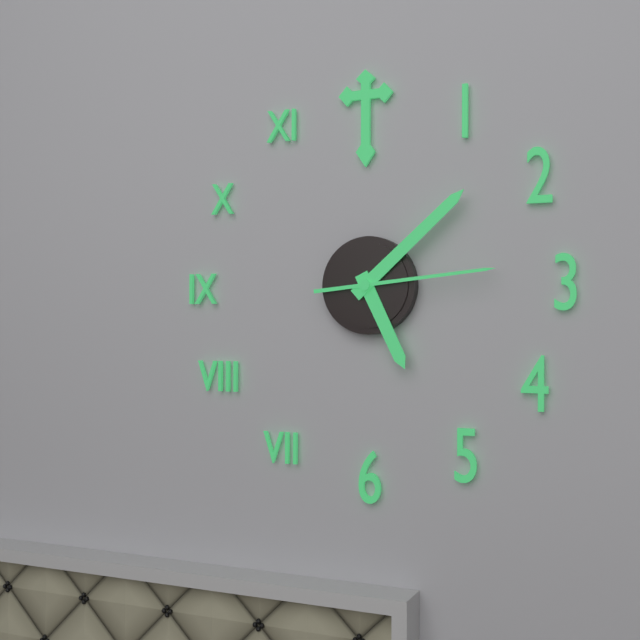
5:08:14
